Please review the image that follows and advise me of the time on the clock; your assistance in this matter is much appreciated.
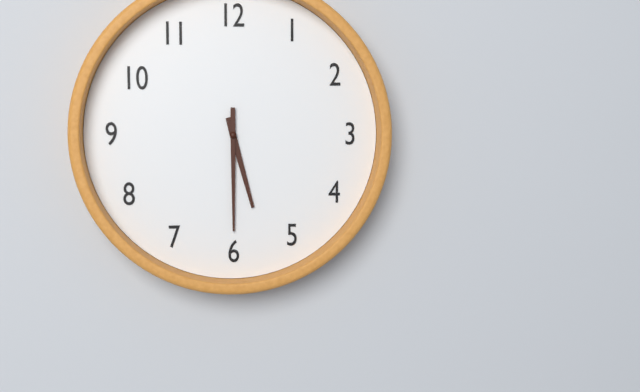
5:30
